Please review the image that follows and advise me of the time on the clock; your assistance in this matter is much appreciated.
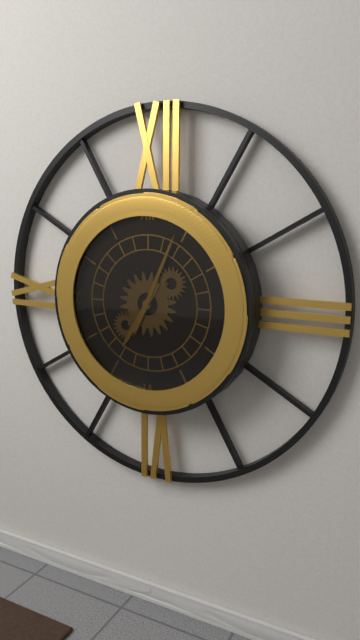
7:04
